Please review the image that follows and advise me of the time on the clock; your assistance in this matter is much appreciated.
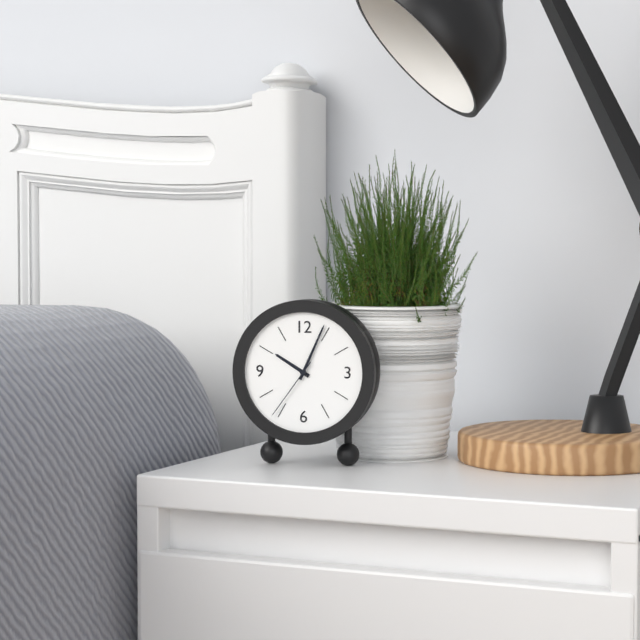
10:04:36
